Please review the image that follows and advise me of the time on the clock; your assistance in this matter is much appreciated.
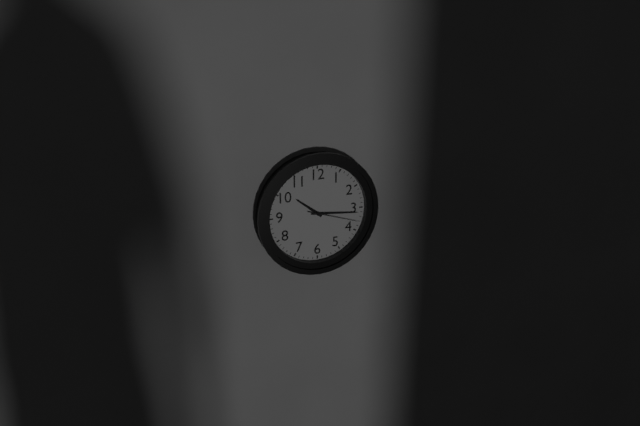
10:16:18
